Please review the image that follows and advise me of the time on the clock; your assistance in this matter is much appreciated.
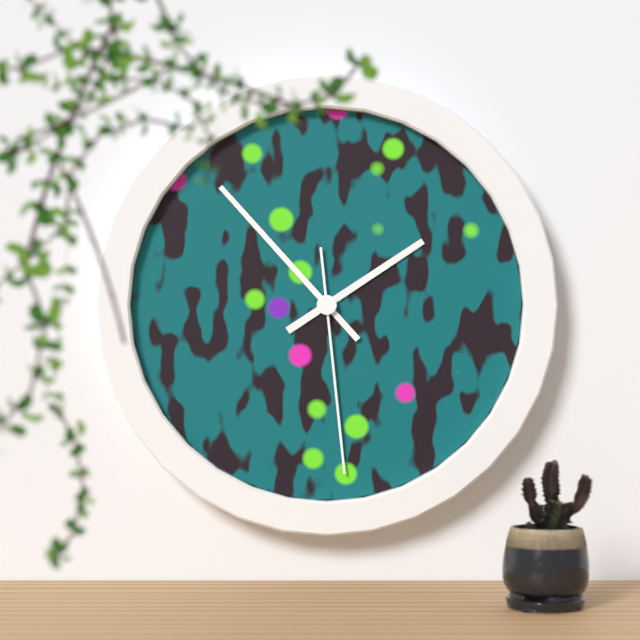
1:53:29
